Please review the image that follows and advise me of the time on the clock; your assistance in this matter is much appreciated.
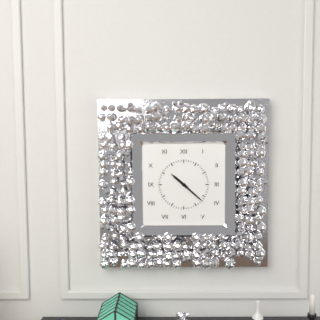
10:22
